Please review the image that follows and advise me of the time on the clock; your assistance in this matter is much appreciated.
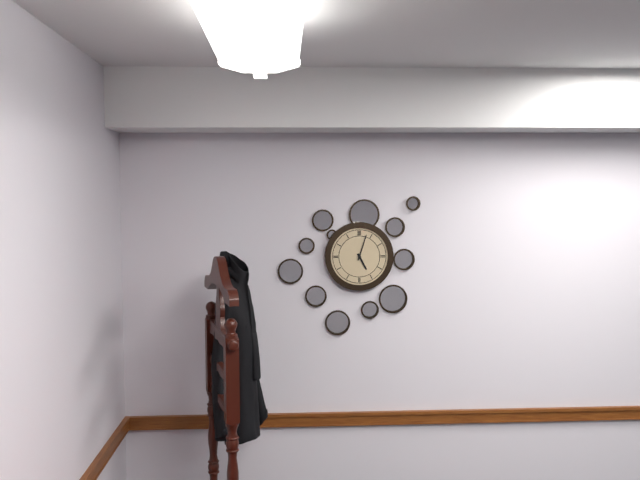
5:03
